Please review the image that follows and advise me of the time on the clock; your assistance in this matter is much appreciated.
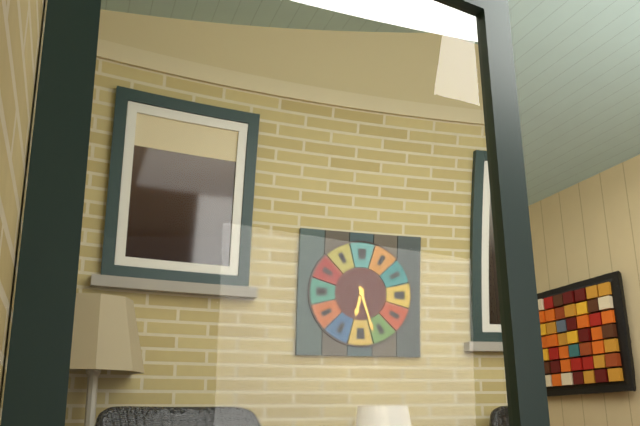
6:27
